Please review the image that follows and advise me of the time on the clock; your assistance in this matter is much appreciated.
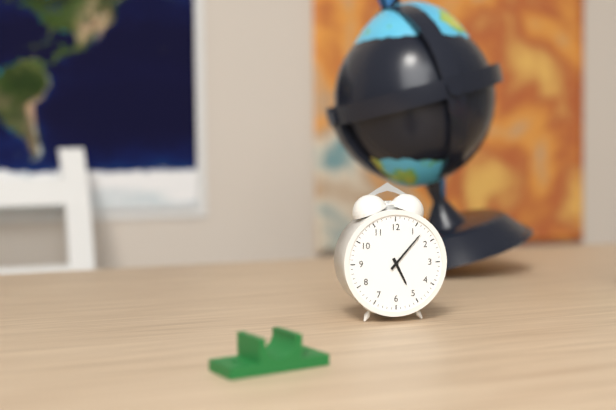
5:07
